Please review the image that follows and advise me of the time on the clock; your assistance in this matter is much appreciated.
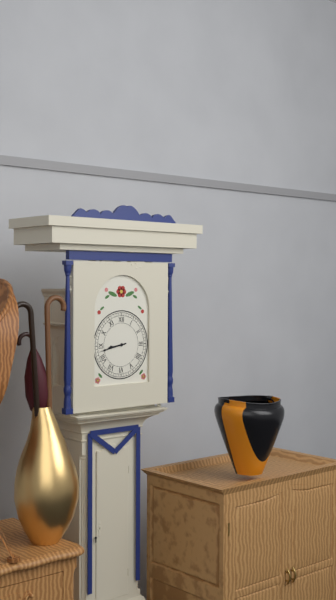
8:43
